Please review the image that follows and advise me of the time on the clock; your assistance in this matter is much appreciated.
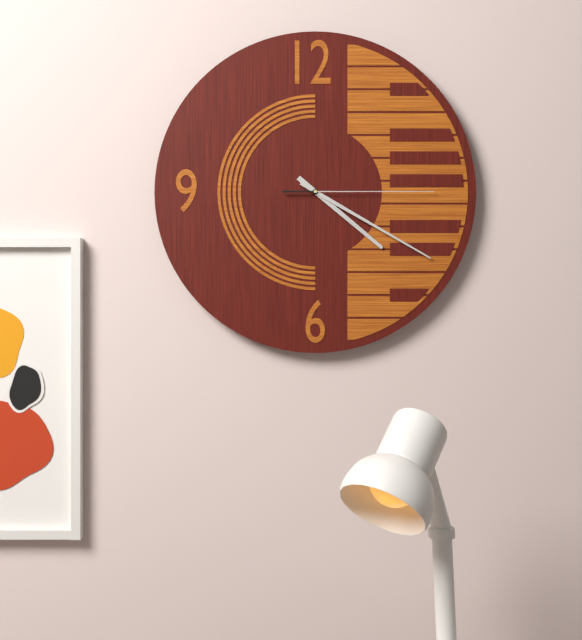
4:20:15
